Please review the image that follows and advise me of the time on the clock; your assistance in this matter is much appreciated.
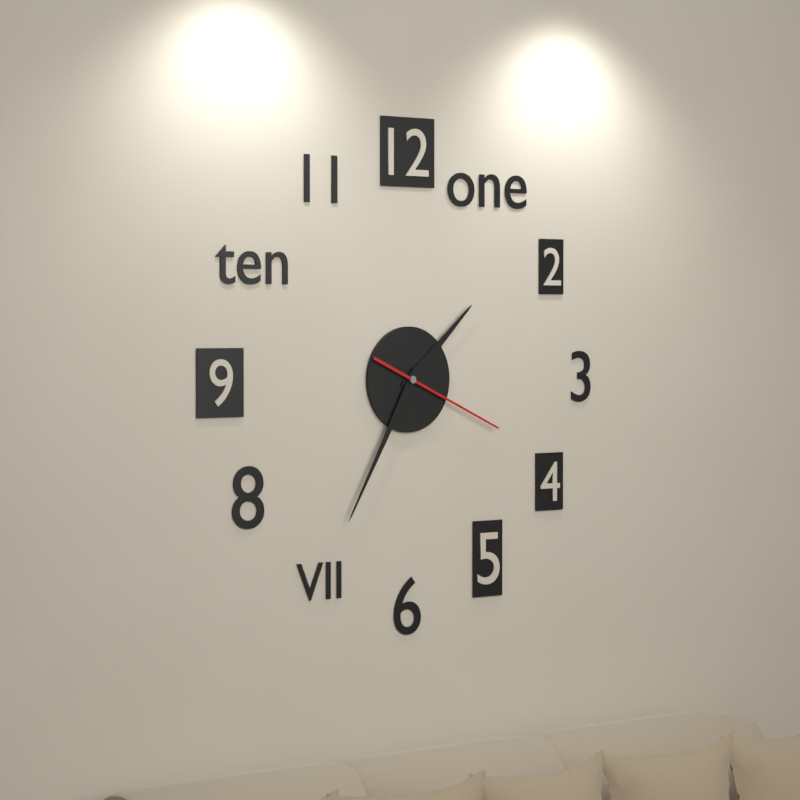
1:35:19
